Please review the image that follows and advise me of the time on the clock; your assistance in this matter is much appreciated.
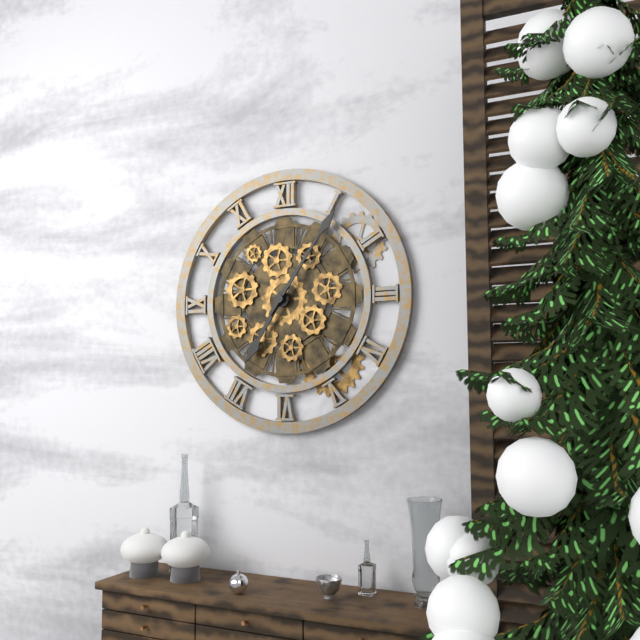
7:06
